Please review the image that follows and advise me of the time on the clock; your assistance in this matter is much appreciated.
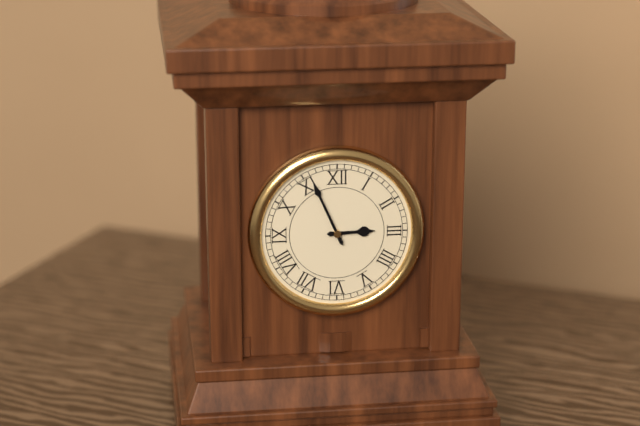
2:56
